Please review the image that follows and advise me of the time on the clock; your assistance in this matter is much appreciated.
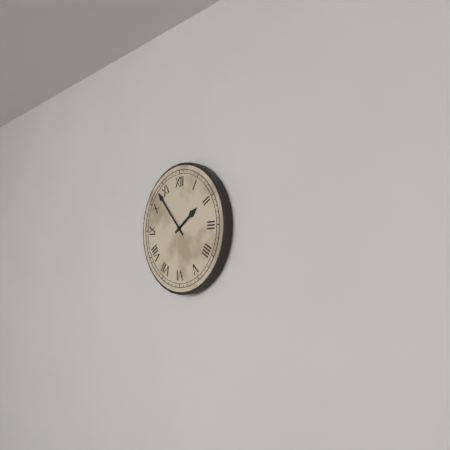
1:53
